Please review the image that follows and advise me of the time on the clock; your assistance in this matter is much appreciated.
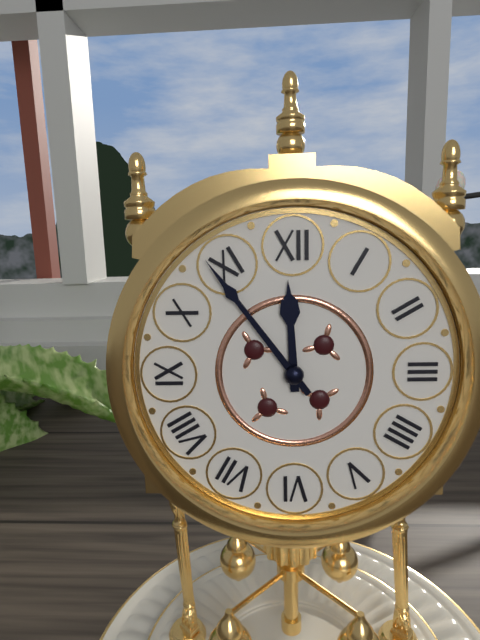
11:54
